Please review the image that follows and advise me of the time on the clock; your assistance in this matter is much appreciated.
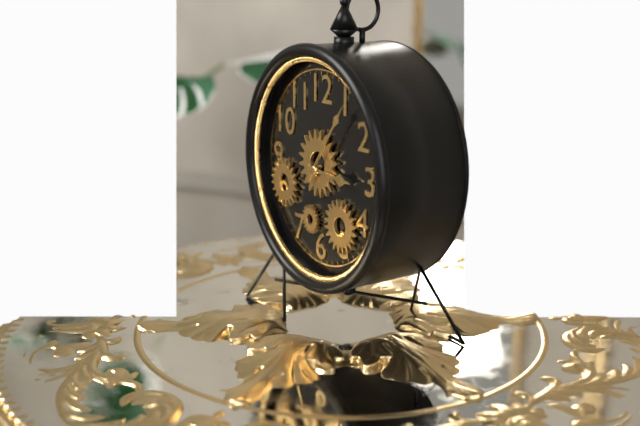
3:06
